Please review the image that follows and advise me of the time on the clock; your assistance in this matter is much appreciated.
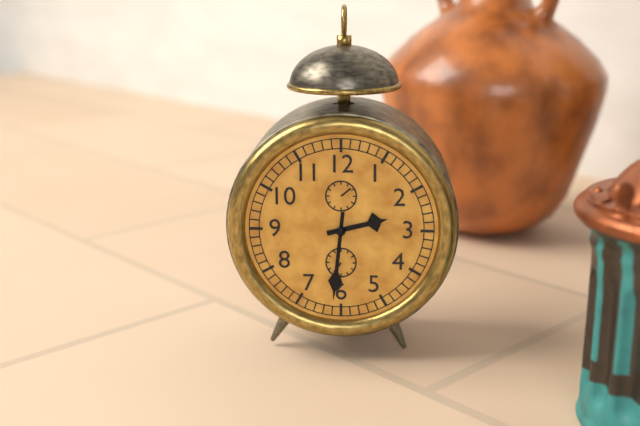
2:31
